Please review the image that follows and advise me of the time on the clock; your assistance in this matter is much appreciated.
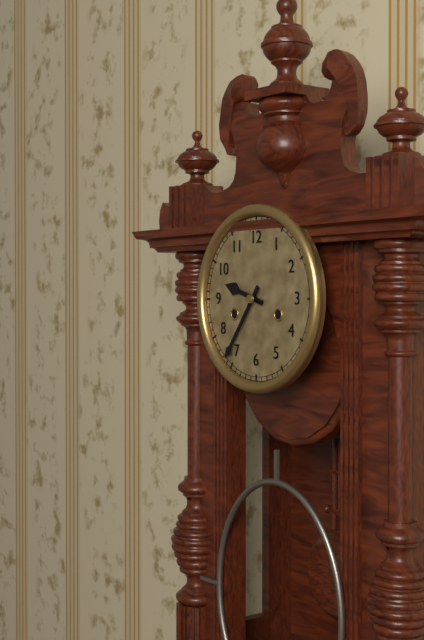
9:36
